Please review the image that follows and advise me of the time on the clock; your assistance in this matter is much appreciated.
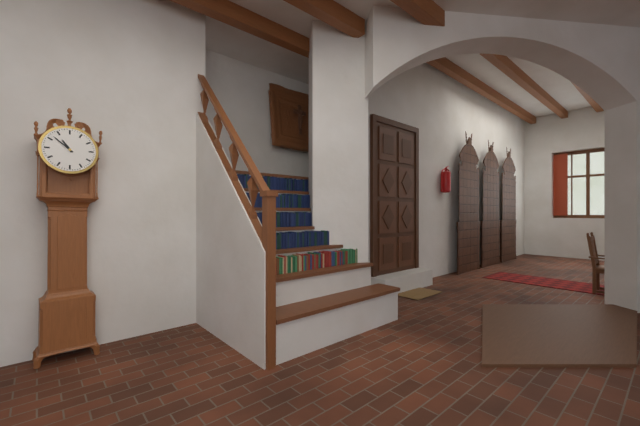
10:52
